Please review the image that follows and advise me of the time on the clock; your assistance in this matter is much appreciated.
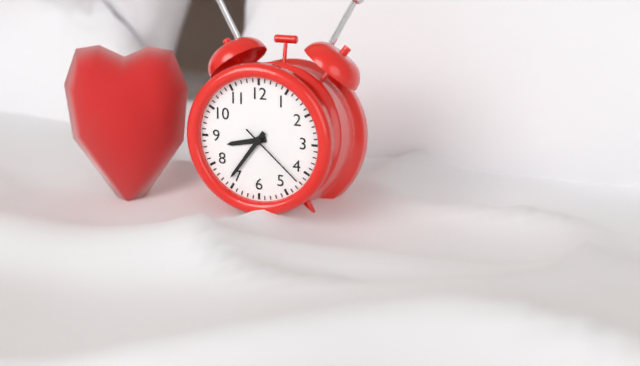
8:36:22
